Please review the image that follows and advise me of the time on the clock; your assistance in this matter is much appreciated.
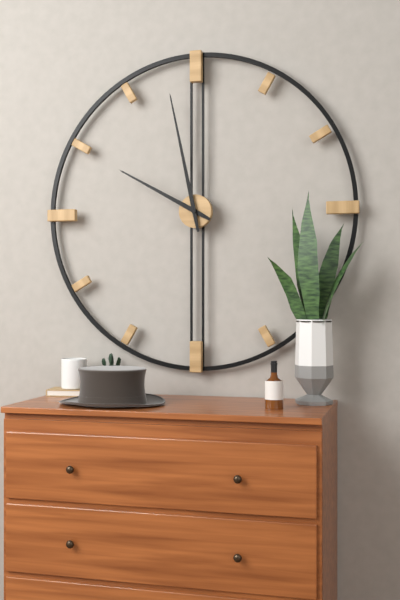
9:58
